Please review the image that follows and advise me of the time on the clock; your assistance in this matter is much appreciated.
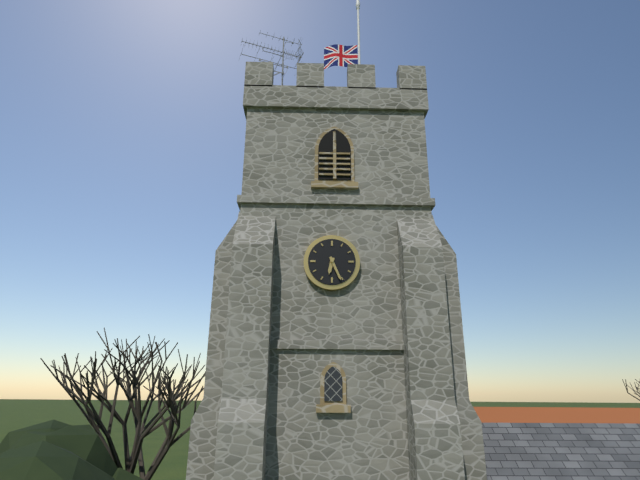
6:26
